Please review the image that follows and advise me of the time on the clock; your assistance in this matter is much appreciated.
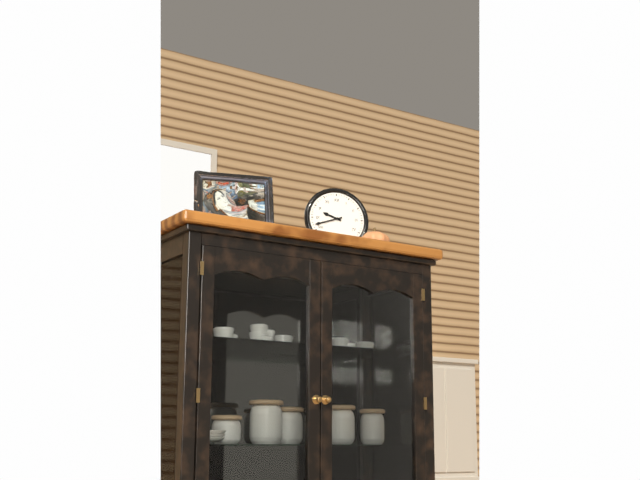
9:42
